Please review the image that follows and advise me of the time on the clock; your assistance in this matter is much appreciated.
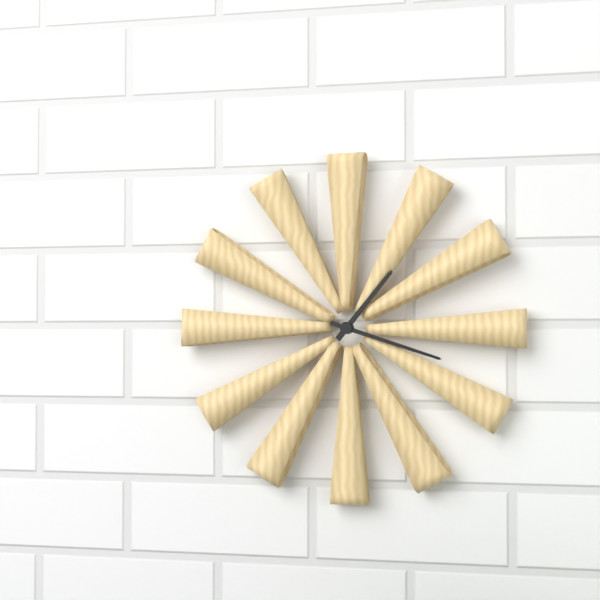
1:18
